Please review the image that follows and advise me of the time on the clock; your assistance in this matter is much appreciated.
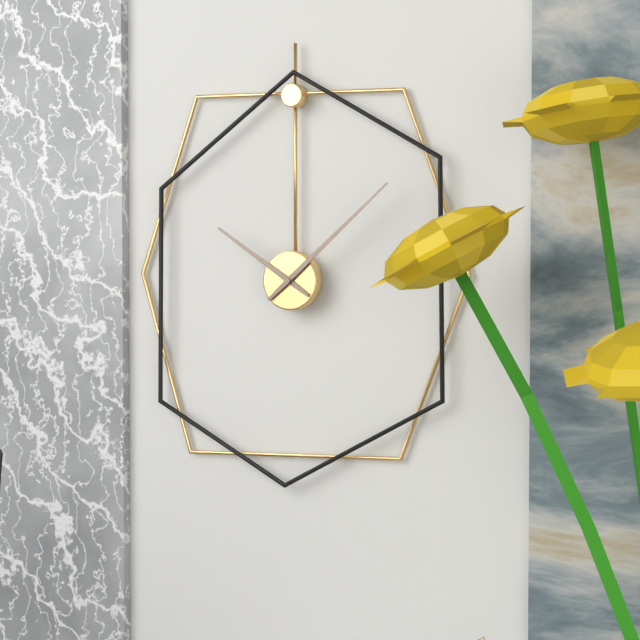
10:08
